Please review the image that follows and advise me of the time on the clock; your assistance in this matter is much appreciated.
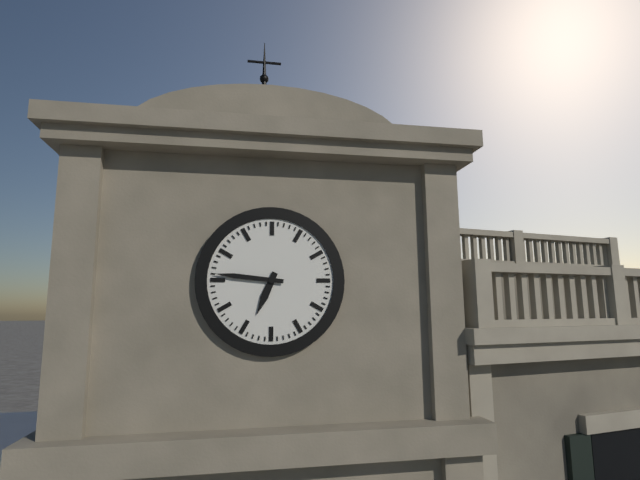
6:46
